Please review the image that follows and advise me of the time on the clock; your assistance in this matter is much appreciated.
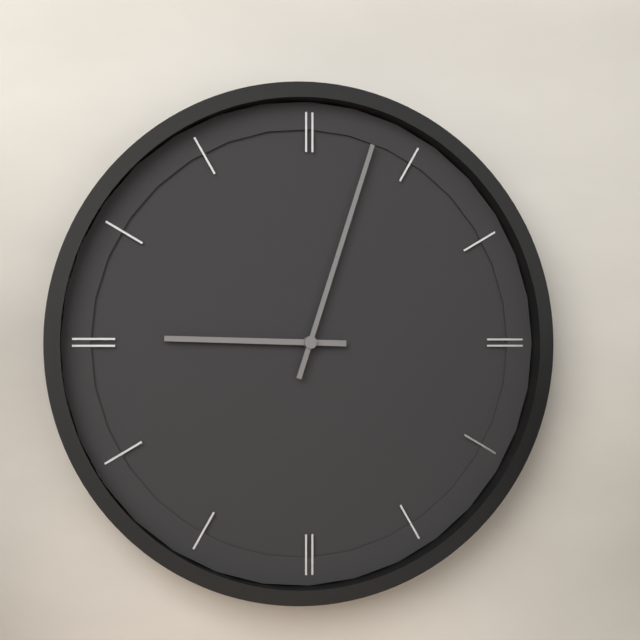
9:03
